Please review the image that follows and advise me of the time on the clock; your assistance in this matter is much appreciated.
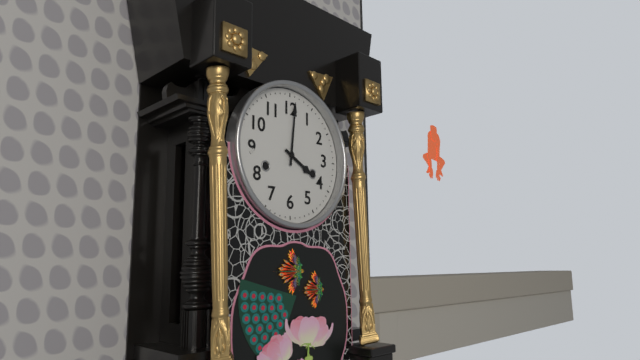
4:01
